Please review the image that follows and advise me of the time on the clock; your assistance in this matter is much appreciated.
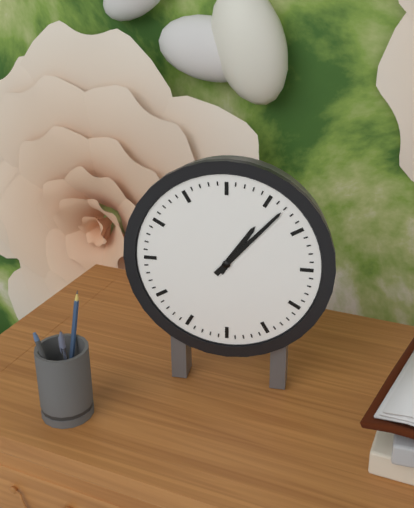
1:07
